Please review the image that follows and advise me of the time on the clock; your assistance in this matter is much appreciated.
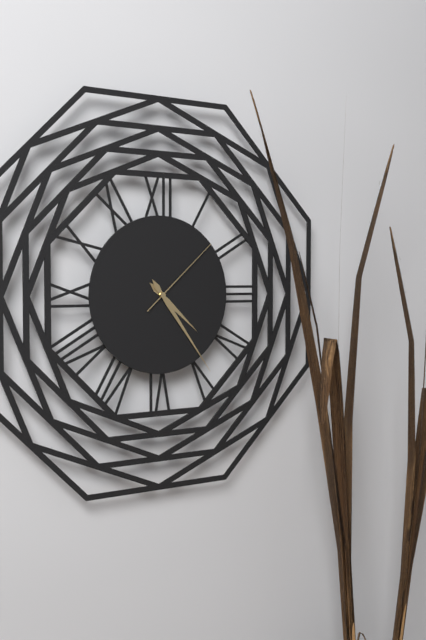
4:24:08
